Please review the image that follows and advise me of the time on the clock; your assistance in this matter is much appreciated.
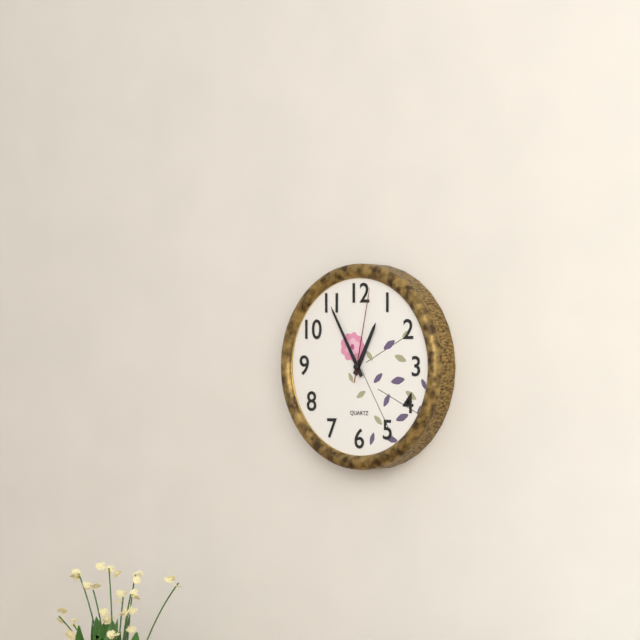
12:55:02
